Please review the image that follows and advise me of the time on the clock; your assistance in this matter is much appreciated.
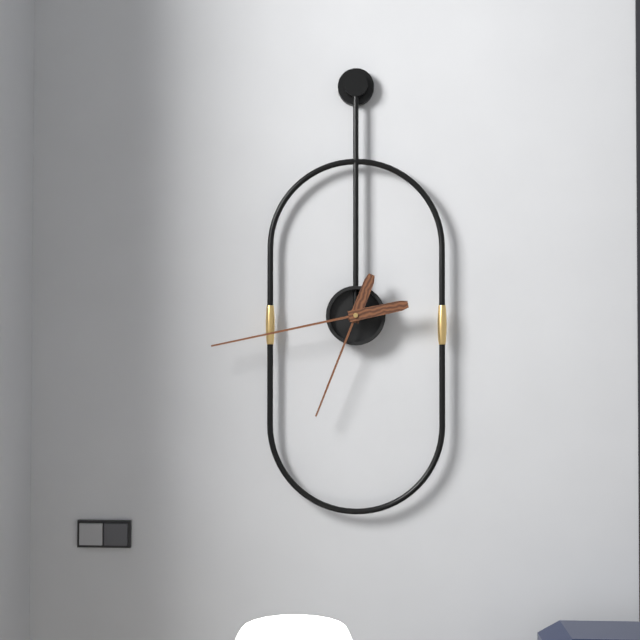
6:43
